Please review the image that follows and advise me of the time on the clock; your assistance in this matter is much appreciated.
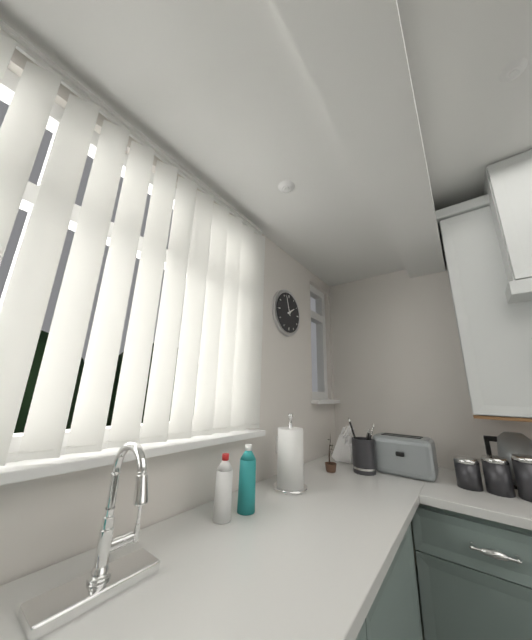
1:57
